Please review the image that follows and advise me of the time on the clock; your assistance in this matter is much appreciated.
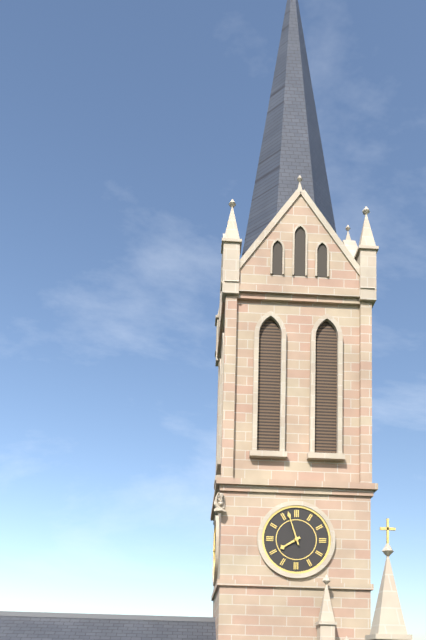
7:57
